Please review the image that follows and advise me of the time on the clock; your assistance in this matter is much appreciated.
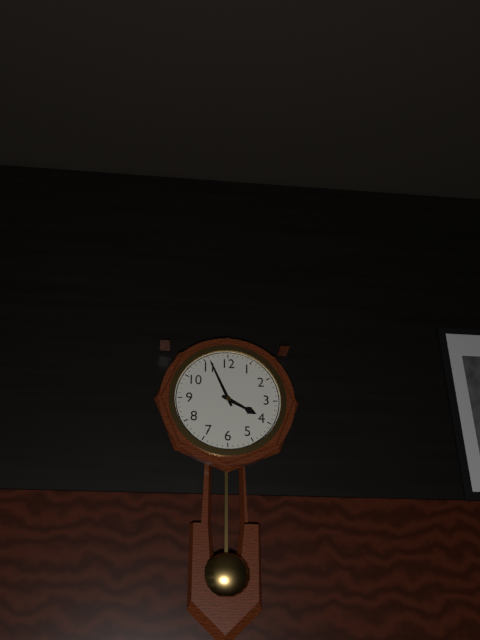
3:56
